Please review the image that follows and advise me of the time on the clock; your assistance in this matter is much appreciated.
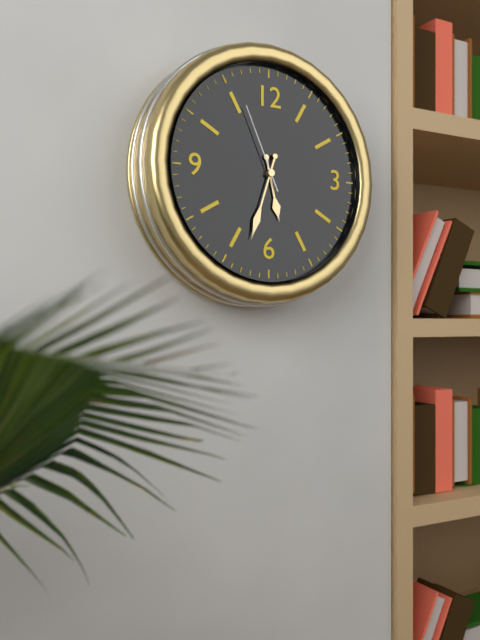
5:33:56
